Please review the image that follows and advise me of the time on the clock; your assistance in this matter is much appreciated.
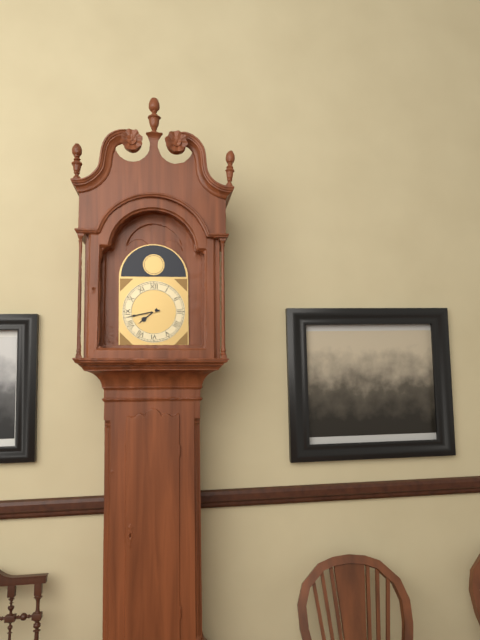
7:43
